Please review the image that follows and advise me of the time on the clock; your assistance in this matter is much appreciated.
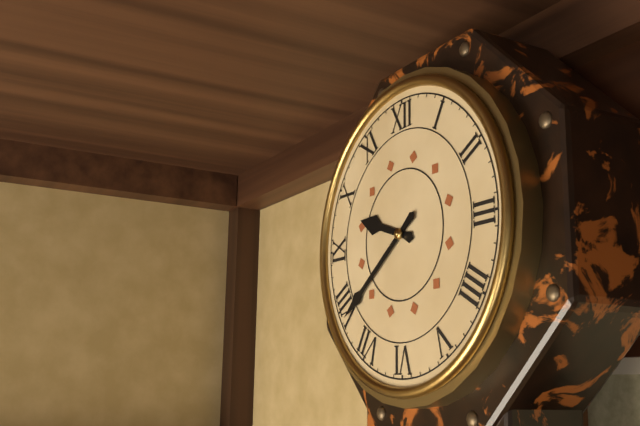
9:39
